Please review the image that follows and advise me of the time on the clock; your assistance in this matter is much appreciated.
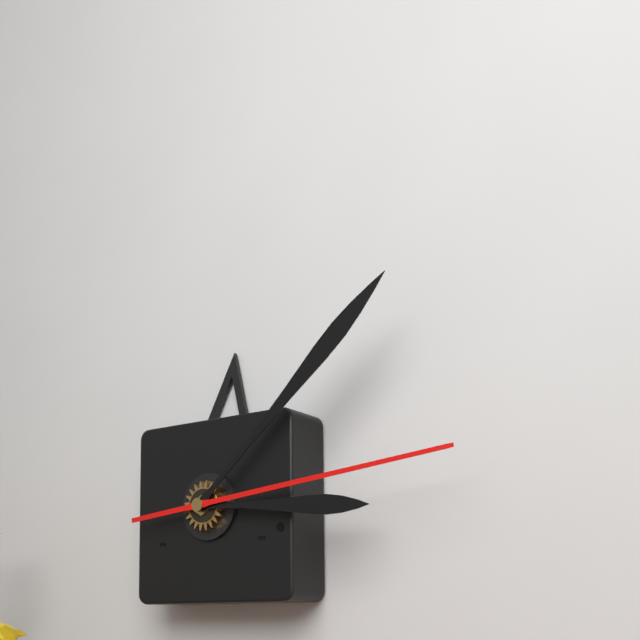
3:08:14
